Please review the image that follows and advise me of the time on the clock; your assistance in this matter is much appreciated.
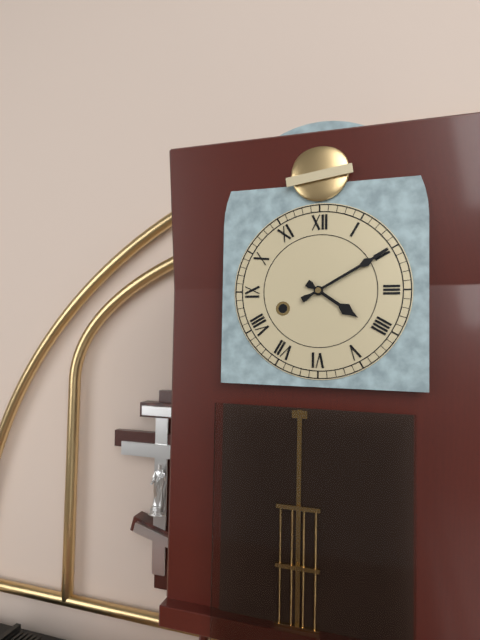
4:10
